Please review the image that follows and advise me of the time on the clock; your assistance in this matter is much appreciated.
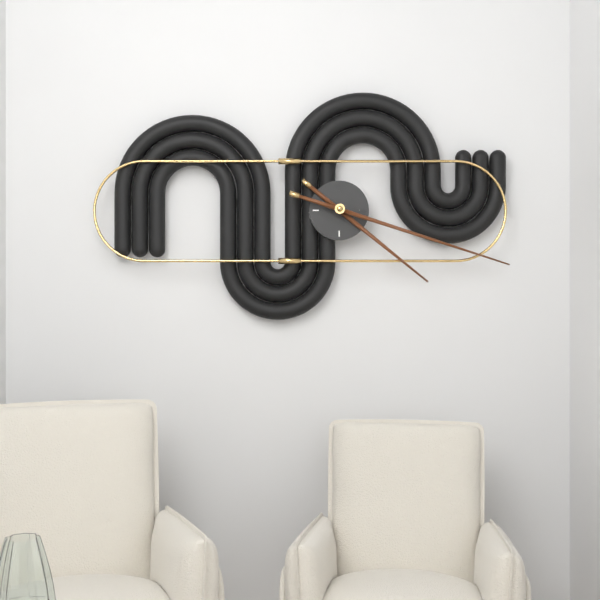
4:18
